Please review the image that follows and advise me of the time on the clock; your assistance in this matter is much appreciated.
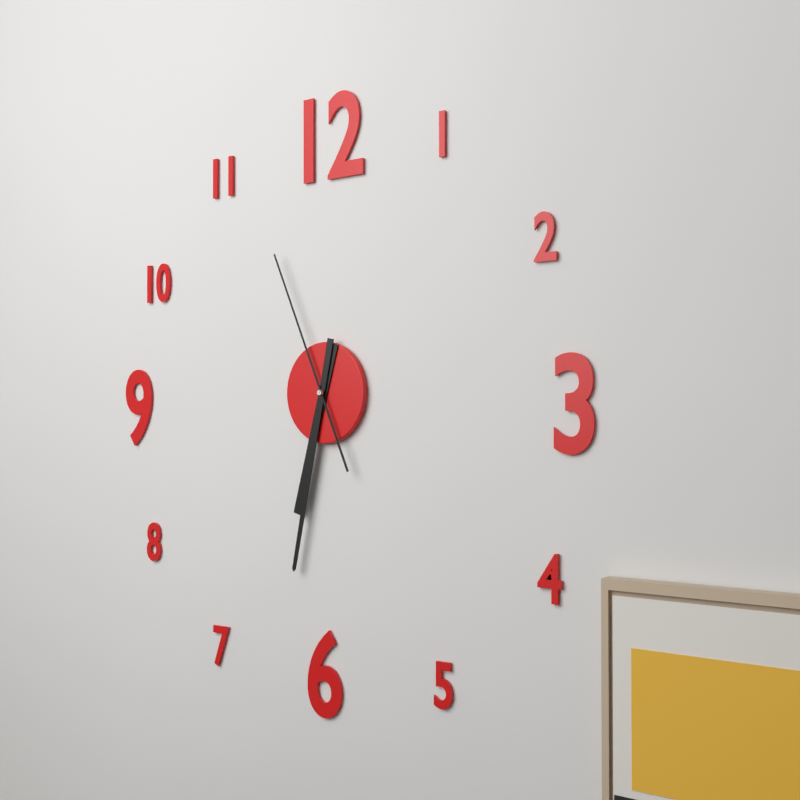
6:32:56
